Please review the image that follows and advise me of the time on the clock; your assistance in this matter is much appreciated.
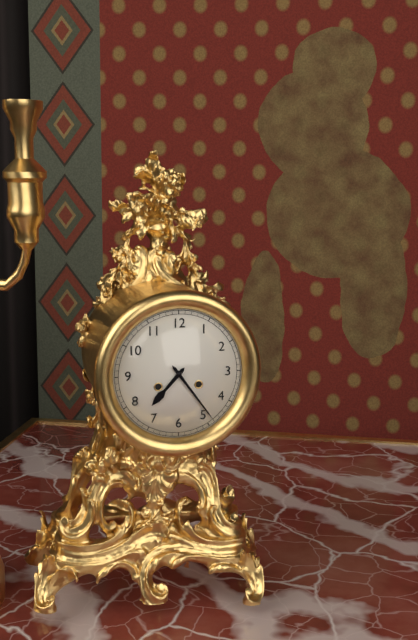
7:24
